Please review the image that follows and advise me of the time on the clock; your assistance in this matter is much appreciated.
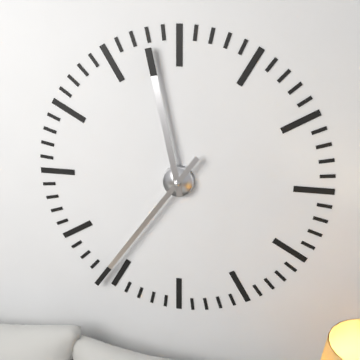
11:36
